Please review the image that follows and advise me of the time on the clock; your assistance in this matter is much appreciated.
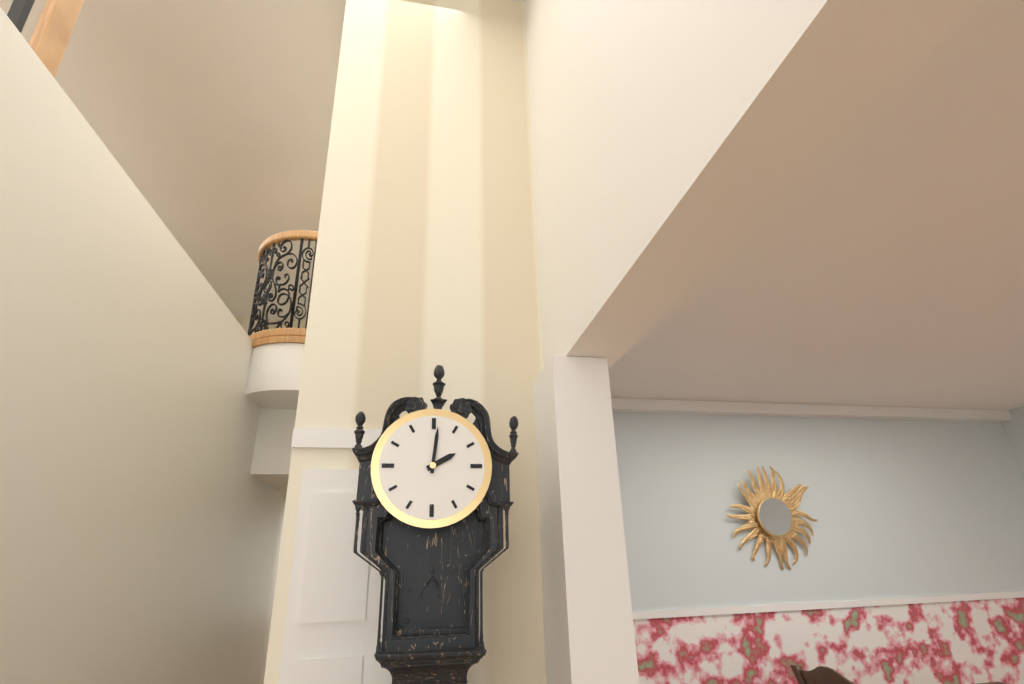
2:01
